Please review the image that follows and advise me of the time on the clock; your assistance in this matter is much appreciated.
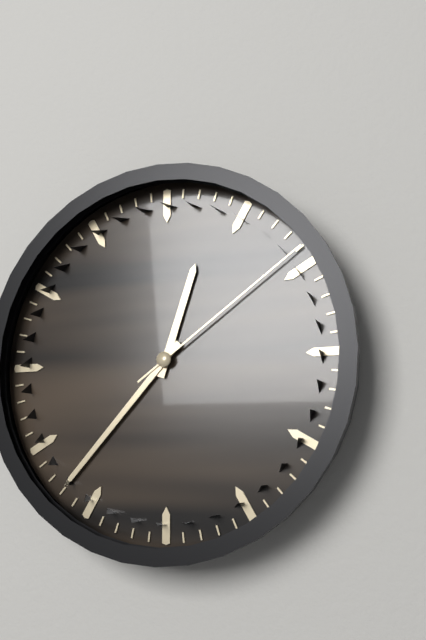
12:37:09
